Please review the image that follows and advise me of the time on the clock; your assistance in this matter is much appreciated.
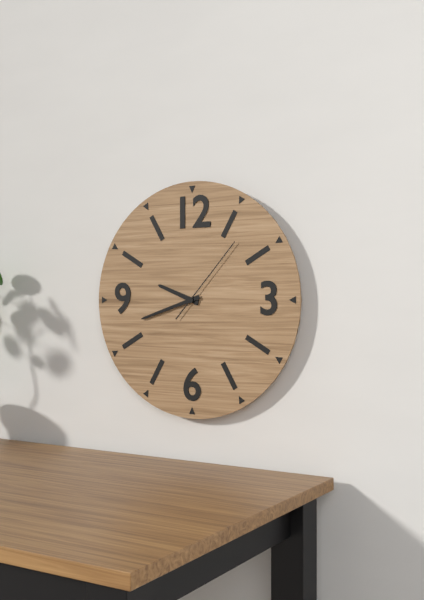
9:42:07
